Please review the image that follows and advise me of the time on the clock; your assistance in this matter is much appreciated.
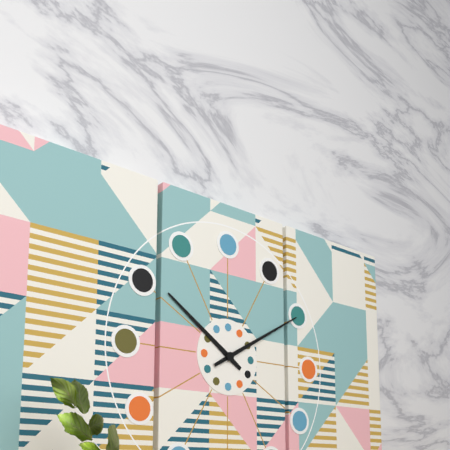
10:10
